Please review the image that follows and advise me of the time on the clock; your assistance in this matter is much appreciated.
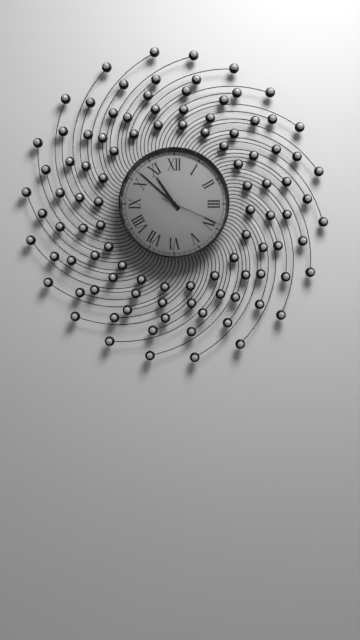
10:52:19
